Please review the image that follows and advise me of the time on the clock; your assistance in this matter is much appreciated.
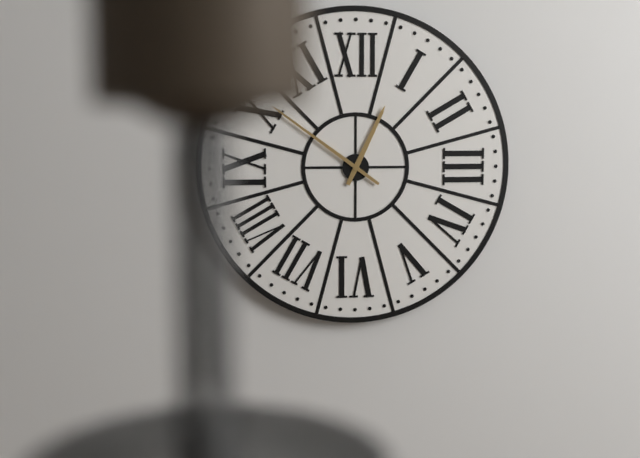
12:51
